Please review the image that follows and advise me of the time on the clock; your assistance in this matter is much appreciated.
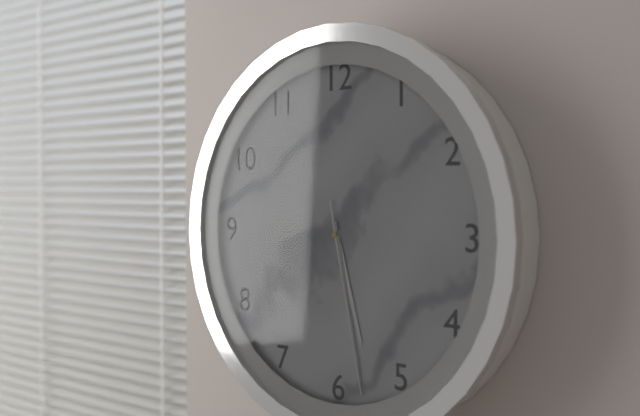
5:28:28
